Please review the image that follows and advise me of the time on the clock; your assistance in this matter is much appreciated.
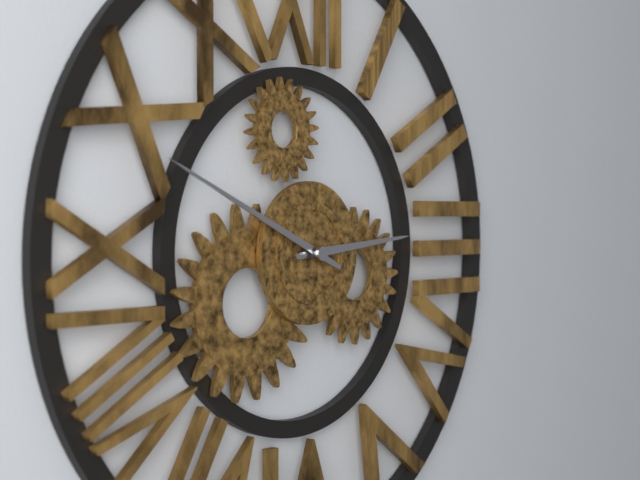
2:49
